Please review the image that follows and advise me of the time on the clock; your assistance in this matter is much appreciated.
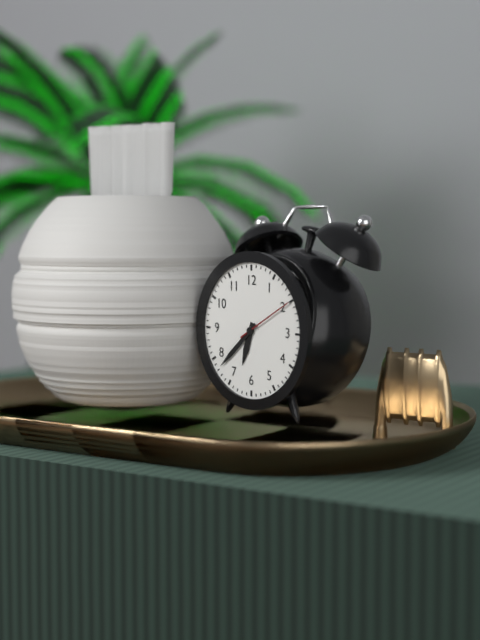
6:38:10
